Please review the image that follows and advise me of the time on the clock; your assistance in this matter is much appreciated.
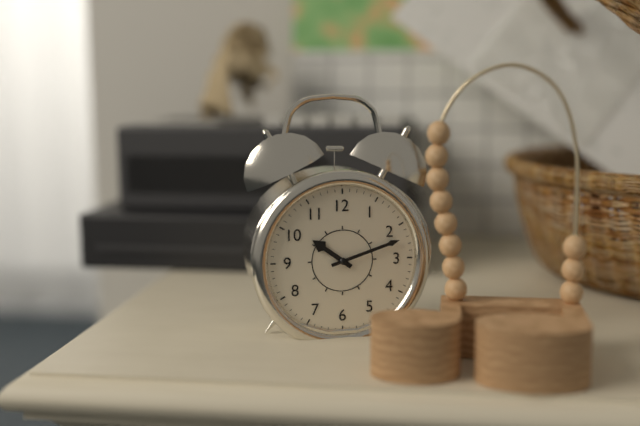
10:12
